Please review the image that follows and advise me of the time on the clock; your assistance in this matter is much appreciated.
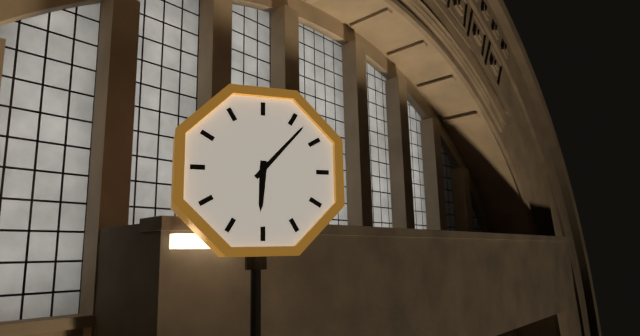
6:07
